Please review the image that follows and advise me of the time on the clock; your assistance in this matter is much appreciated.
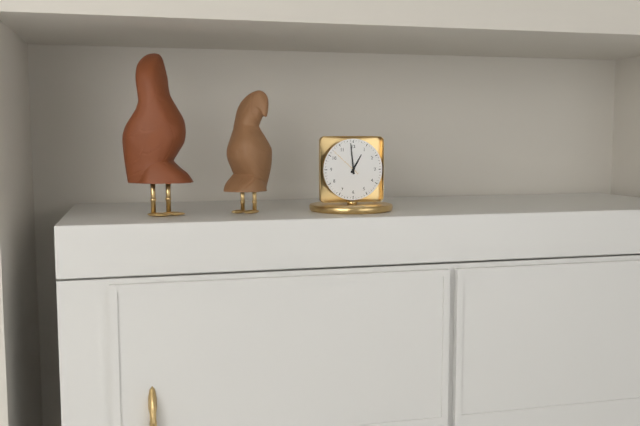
12:59
